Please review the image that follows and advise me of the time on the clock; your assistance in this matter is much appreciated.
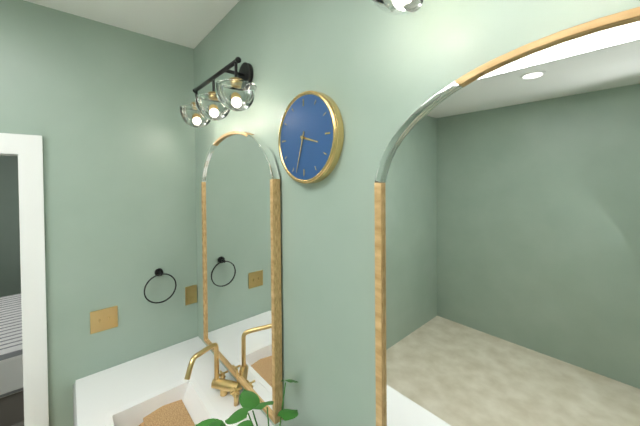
3:33
